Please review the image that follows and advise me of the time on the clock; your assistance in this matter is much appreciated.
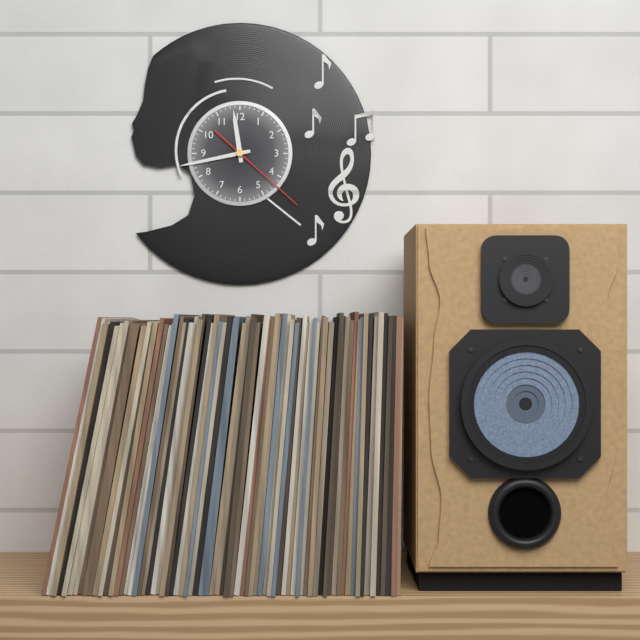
11:43:22
